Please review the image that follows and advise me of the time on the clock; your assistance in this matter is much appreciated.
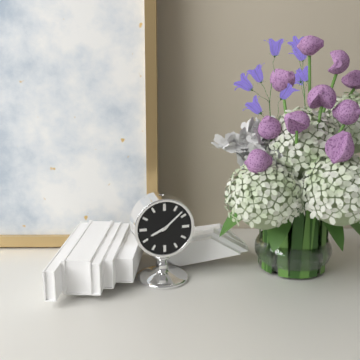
8:08
